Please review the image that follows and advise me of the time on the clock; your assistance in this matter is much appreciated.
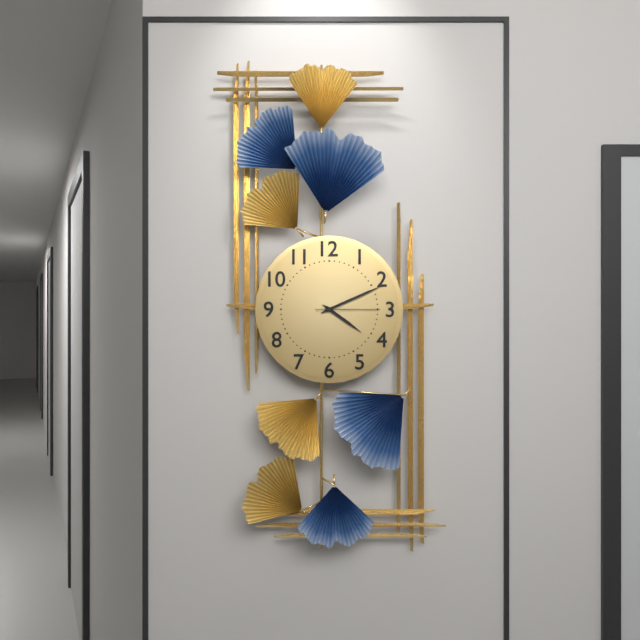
4:11:15
